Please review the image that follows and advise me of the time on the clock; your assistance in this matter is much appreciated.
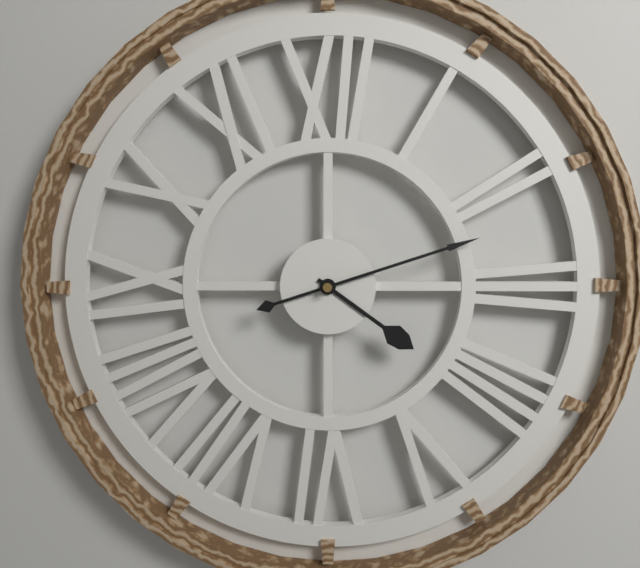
4:12
